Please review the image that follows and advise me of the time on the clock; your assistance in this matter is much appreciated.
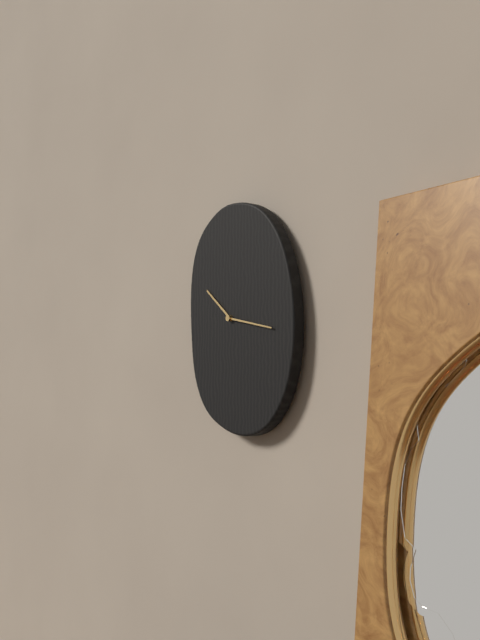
10:17
